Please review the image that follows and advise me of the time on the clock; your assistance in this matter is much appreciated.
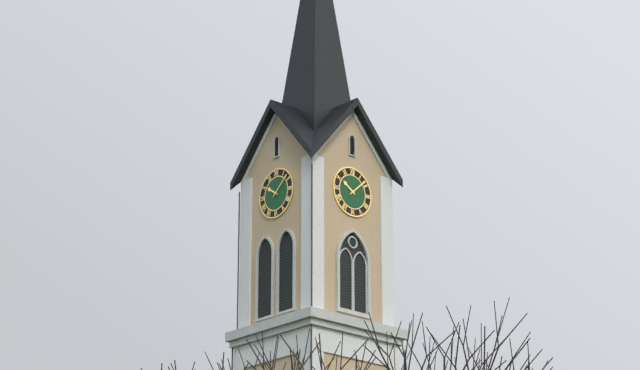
10:08
